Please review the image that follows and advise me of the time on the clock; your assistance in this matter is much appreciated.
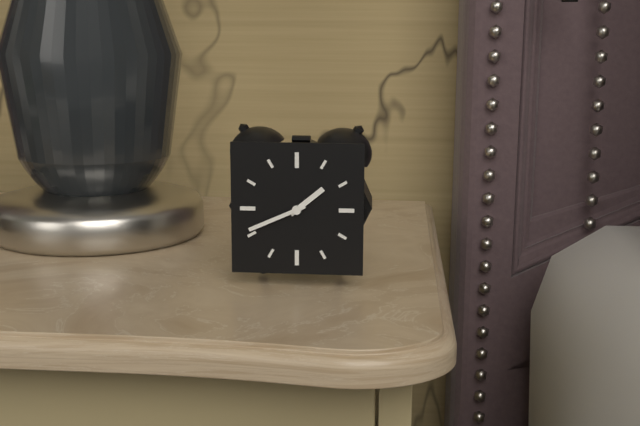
1:41
